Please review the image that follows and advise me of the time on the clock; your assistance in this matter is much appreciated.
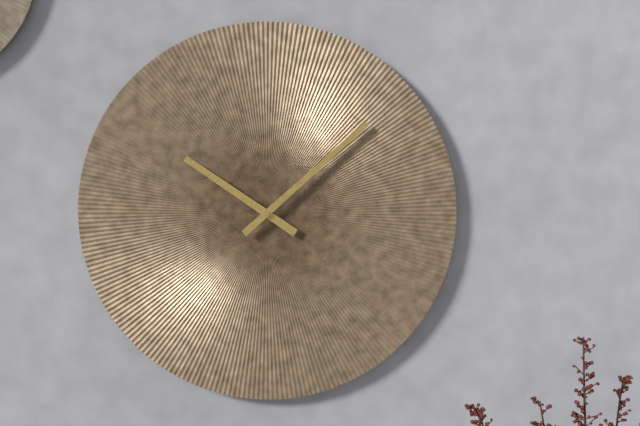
10:08
